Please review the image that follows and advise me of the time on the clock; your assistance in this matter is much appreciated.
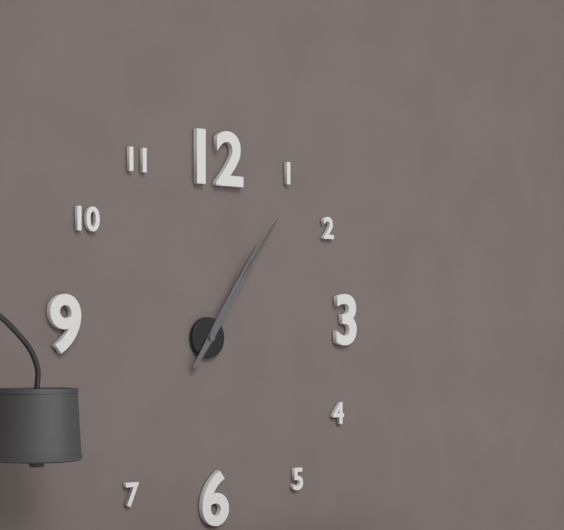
1:06
